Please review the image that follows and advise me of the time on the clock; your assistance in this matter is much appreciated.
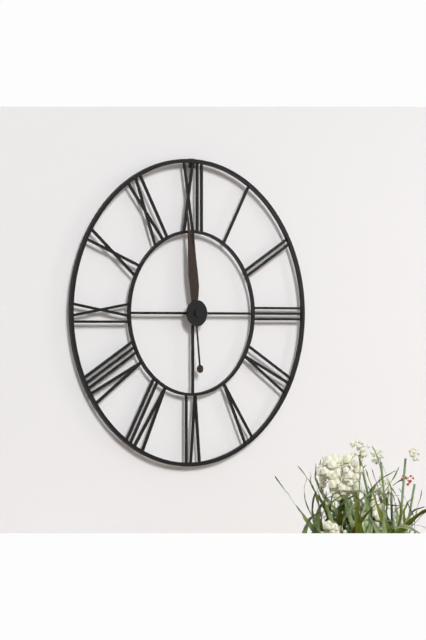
11:59
